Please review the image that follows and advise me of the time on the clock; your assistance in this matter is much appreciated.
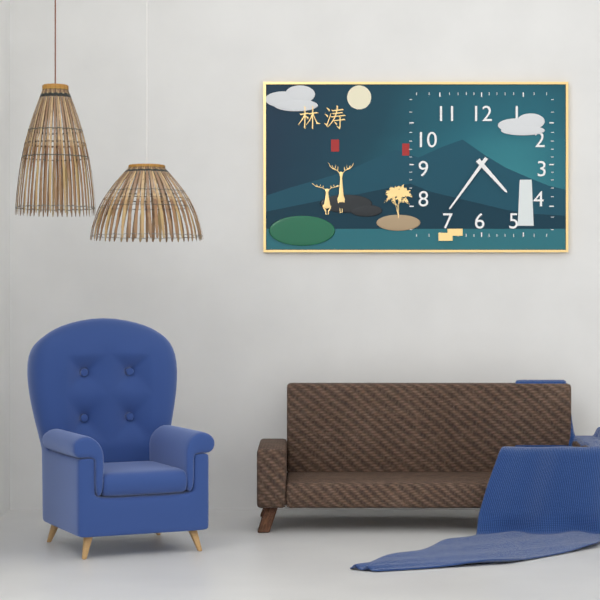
4:36
